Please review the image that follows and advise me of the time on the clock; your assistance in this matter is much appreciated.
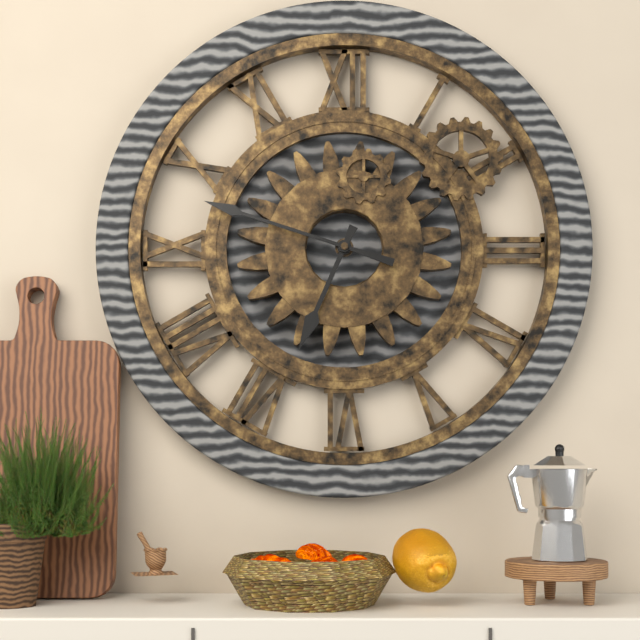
6:48
